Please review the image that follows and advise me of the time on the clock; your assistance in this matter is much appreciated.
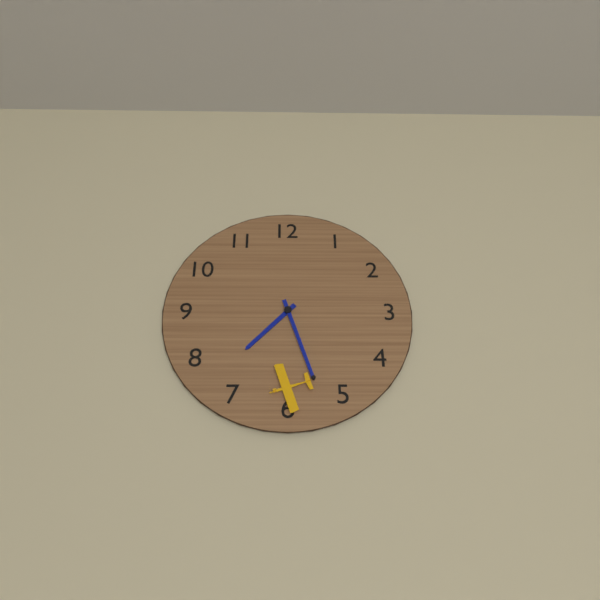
7:27
